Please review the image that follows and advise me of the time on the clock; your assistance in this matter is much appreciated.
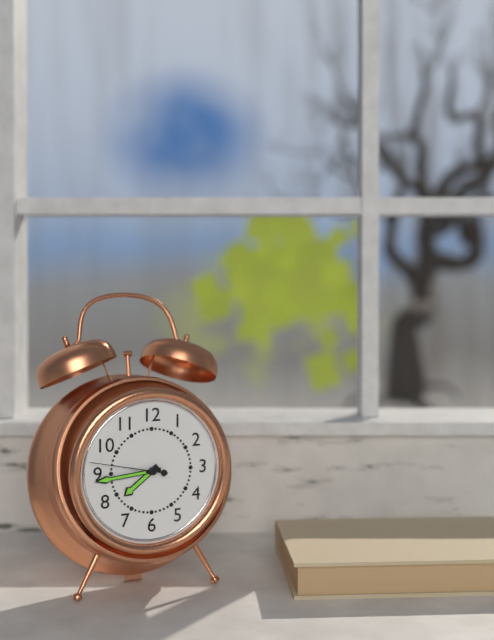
7:44:47
